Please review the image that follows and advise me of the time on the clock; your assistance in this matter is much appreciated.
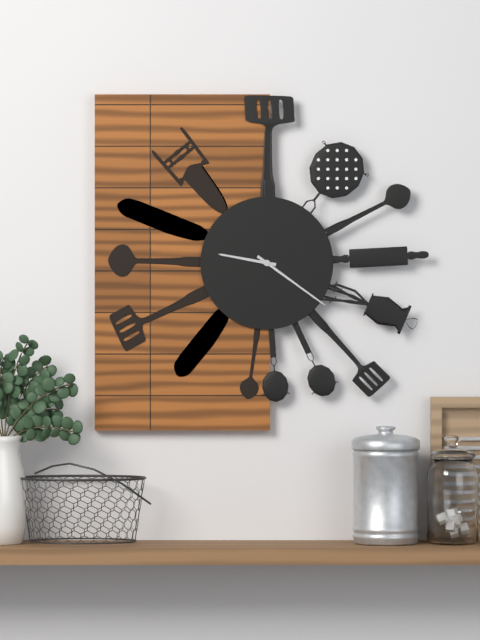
9:21
